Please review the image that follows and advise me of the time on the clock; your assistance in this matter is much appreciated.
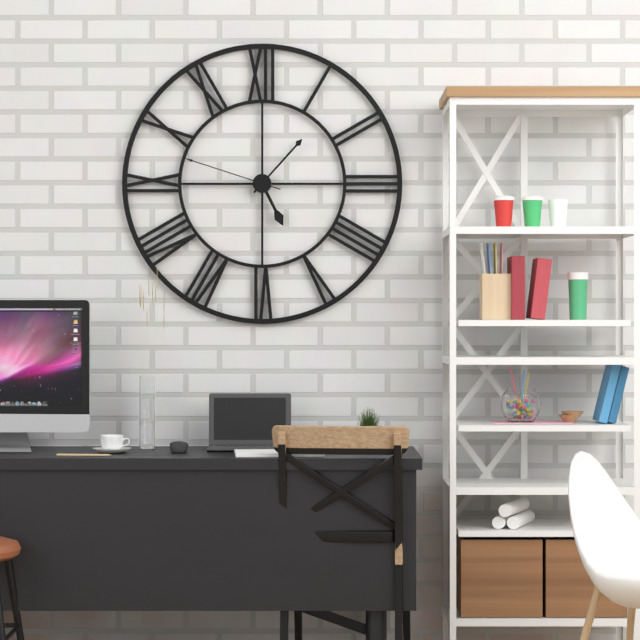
5:07:48
